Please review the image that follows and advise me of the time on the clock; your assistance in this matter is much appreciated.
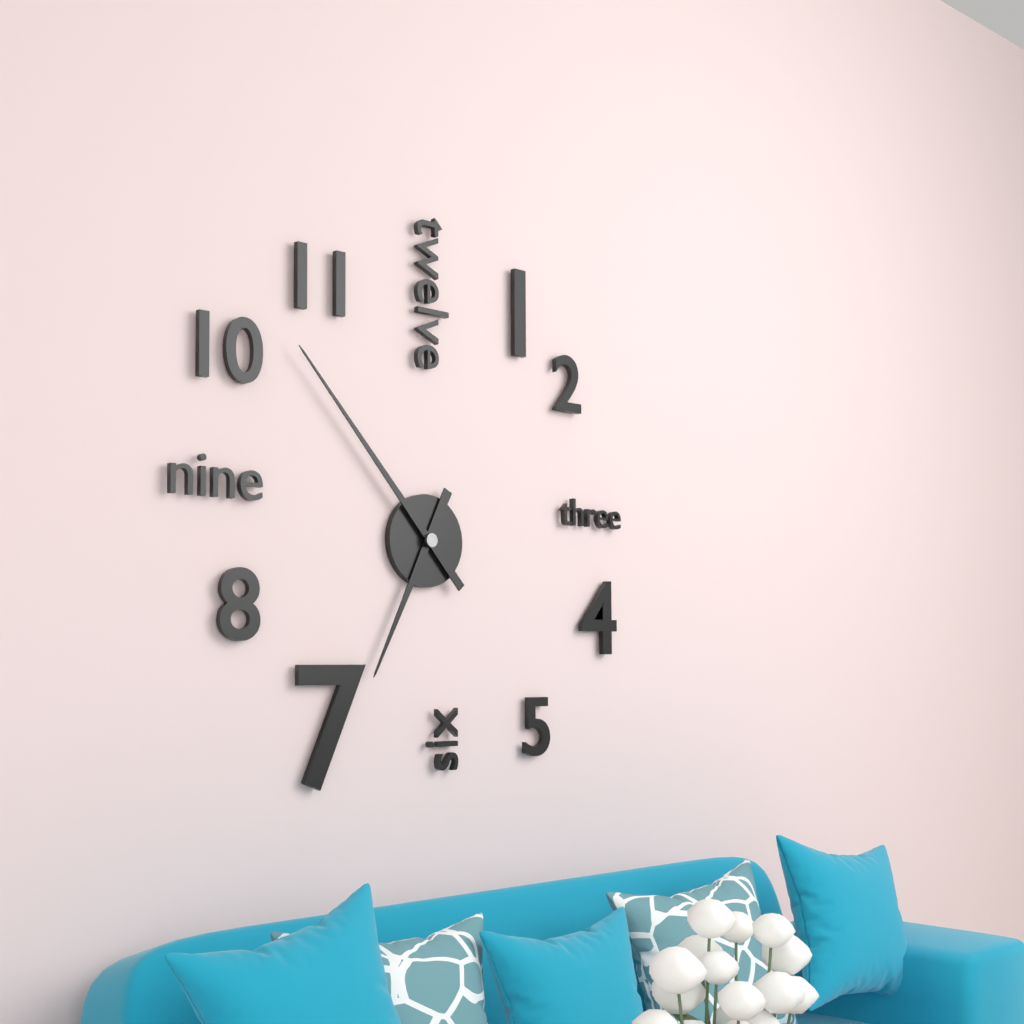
6:53
